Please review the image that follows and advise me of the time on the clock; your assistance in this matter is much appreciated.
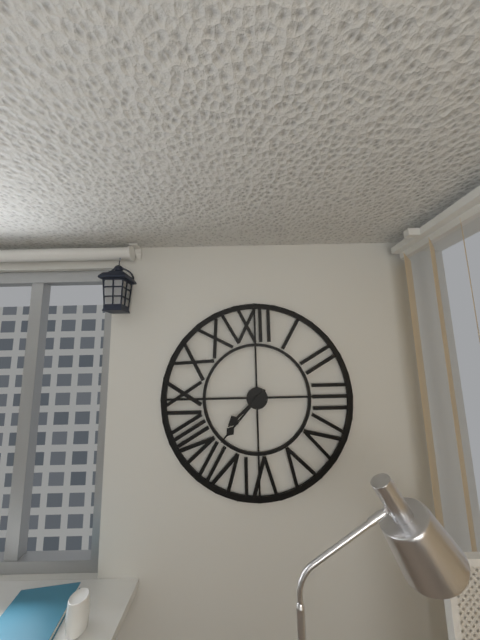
7:37
